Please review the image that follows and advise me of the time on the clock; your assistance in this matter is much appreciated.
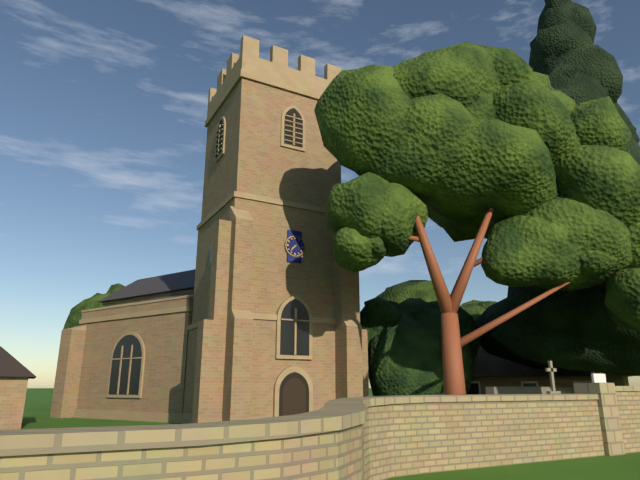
7:37
